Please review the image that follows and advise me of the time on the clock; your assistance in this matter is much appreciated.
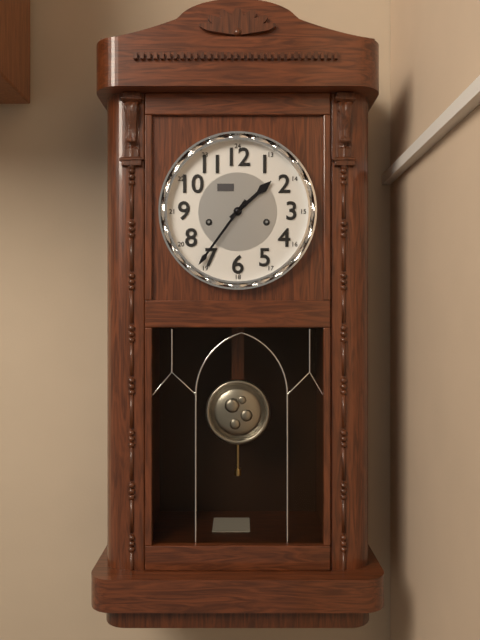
1:36
